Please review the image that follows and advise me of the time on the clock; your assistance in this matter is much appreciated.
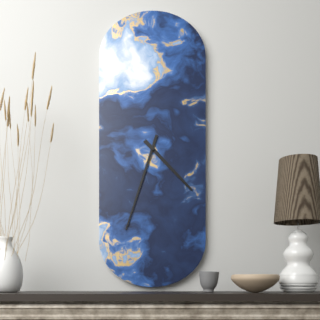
4:33
